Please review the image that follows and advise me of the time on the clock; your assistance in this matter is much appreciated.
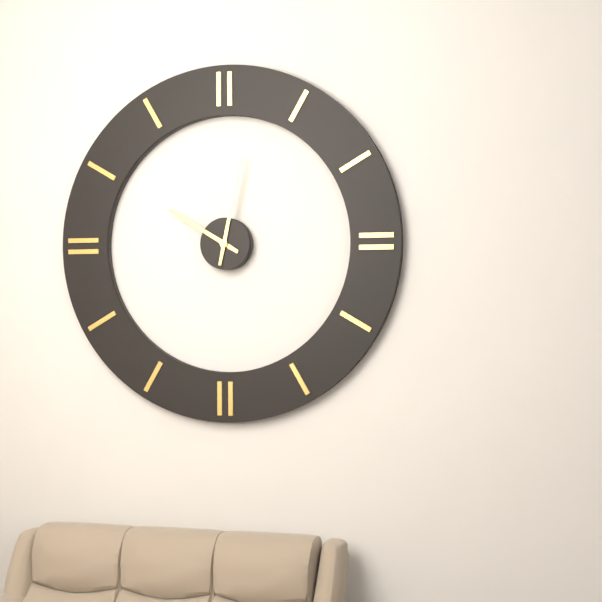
10:02
